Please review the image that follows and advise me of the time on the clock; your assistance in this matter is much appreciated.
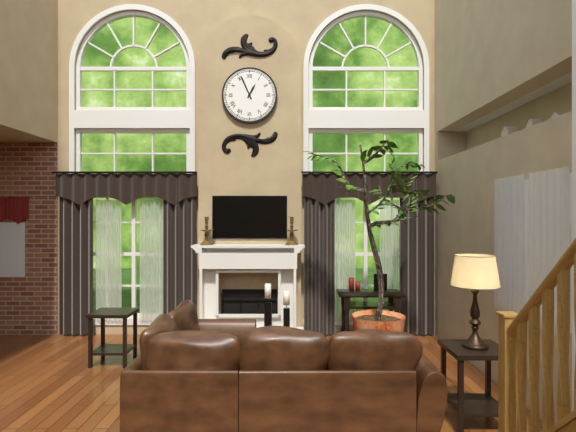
12:56
